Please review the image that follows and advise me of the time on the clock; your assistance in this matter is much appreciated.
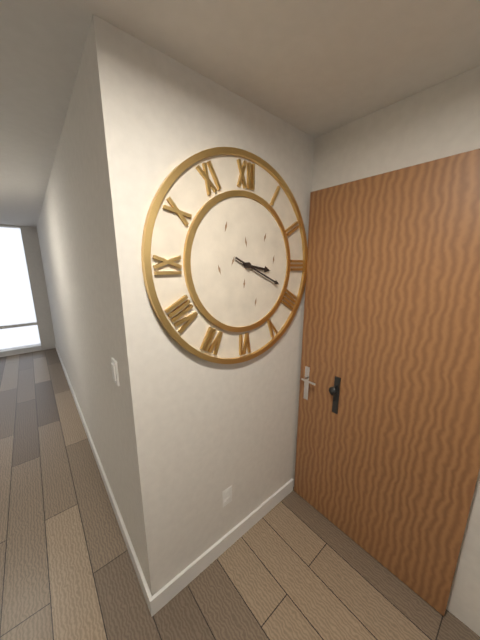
3:19
